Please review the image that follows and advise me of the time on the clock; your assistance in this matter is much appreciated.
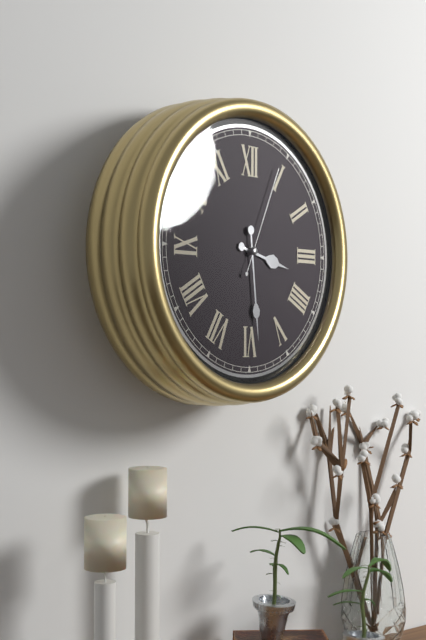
3:29:04
